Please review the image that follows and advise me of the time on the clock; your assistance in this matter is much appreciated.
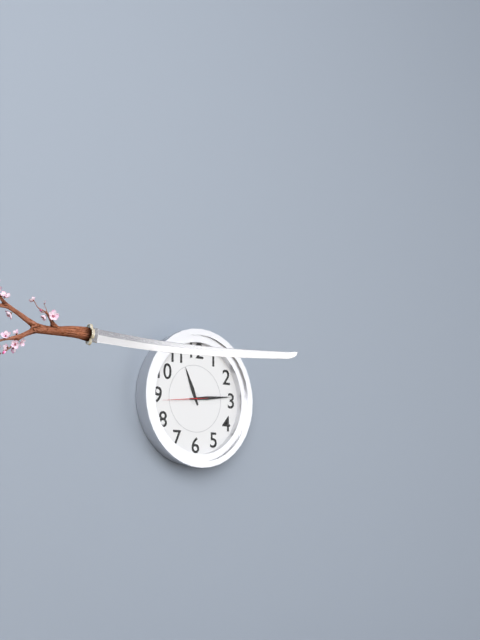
11:14
